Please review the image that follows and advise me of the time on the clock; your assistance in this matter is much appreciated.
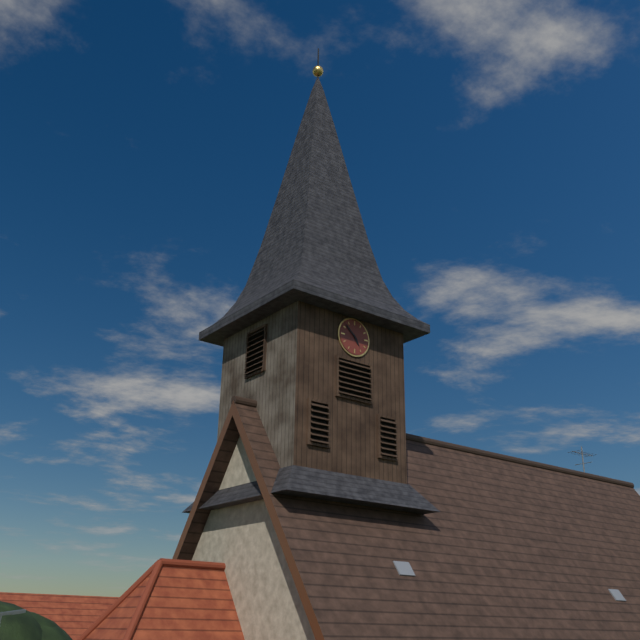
4:52
